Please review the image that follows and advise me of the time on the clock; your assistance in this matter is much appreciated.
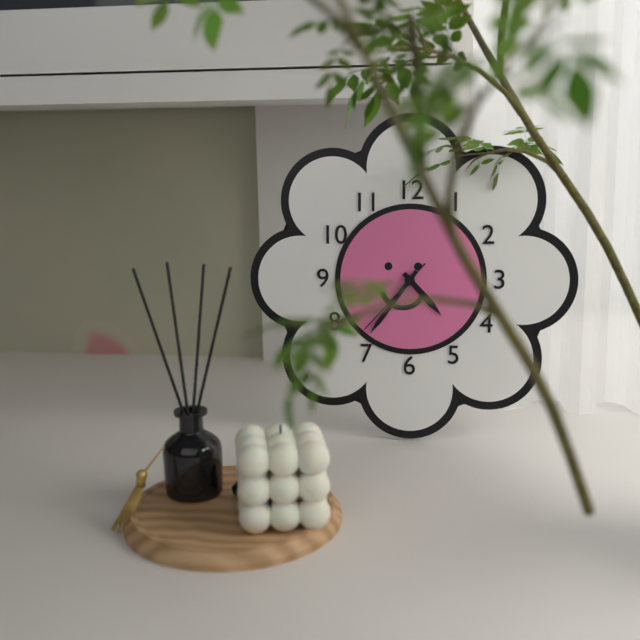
4:36:37
